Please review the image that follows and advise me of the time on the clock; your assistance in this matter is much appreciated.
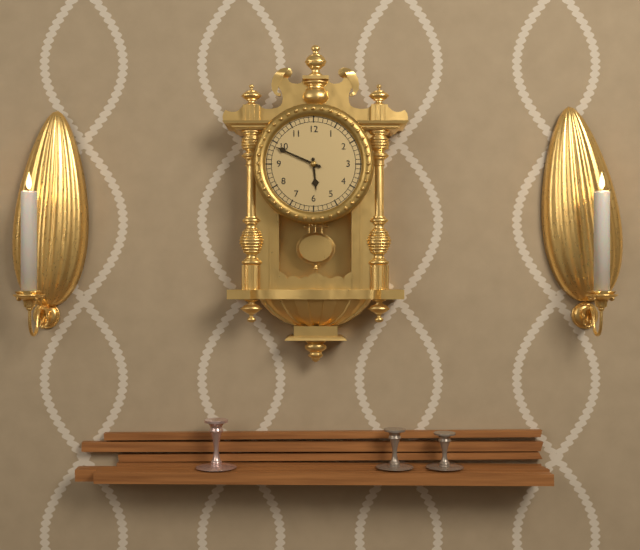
5:49
